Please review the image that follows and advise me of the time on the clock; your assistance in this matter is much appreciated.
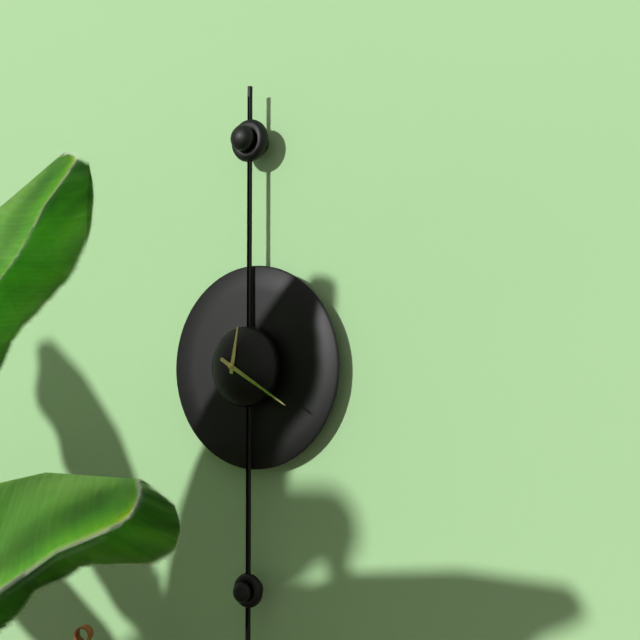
12:20
